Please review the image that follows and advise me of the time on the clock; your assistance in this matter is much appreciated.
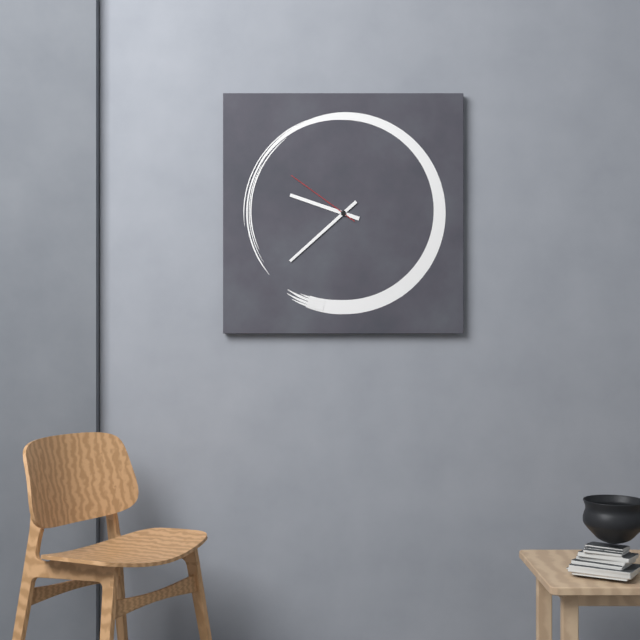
9:38:51
